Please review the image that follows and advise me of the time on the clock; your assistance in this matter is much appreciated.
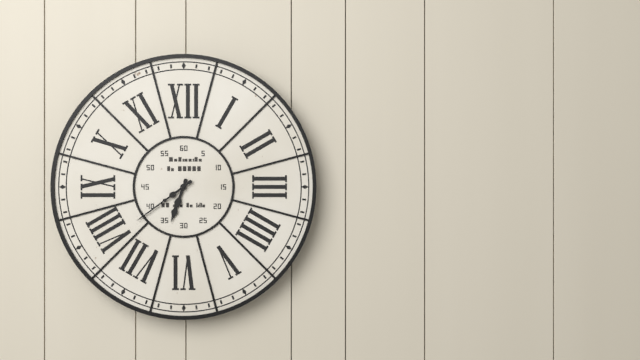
6:39
